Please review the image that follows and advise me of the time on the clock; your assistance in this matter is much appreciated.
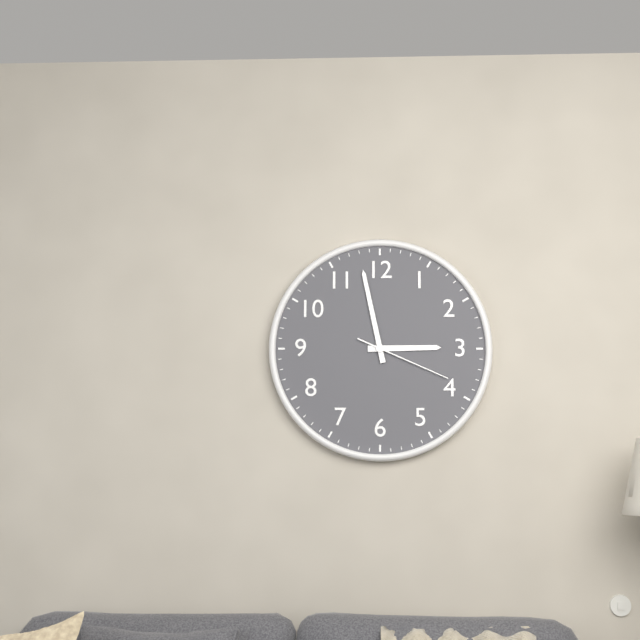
2:58:19
